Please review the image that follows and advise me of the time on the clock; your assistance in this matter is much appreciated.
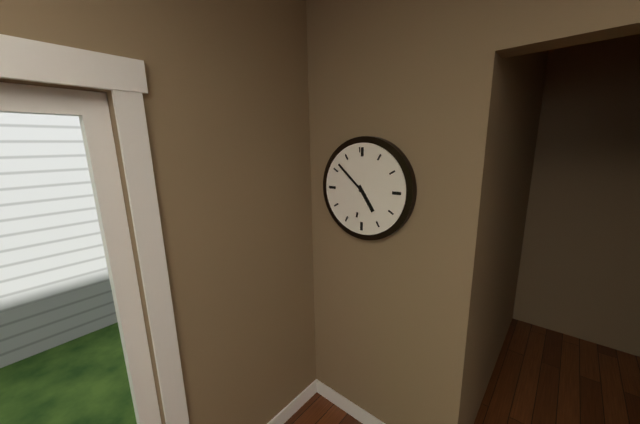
4:52
